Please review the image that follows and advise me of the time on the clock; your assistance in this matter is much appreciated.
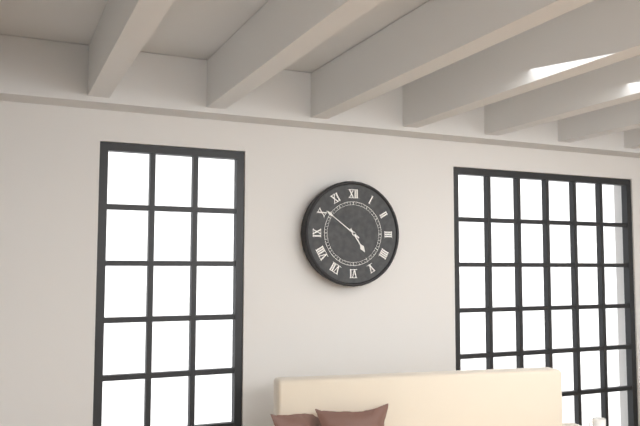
4:51
